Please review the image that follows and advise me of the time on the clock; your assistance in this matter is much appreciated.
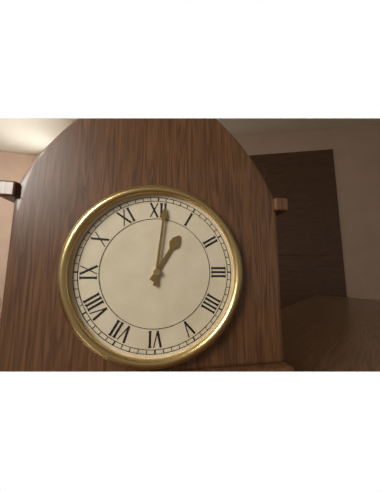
1:01
